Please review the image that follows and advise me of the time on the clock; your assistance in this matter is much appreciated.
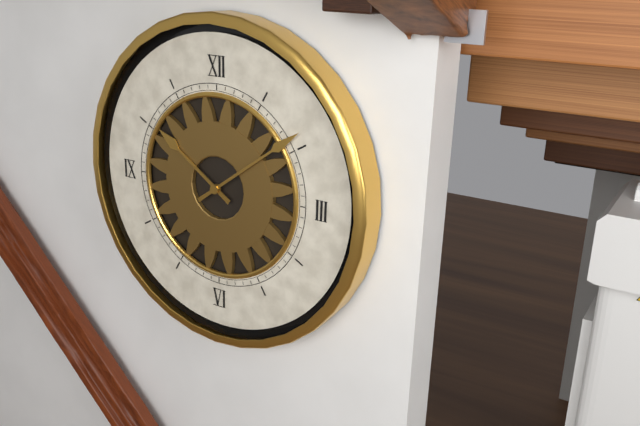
10:09
